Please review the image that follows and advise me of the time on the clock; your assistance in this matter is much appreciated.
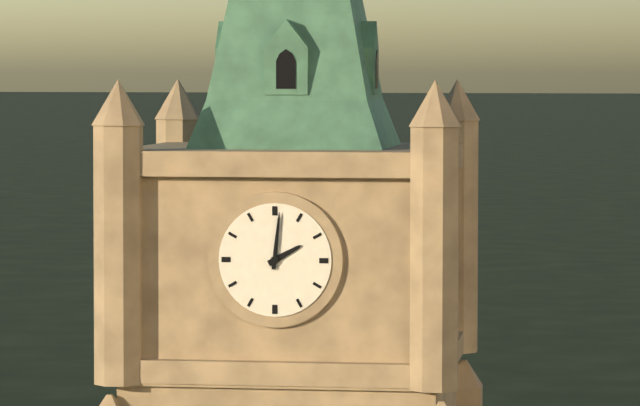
2:01
